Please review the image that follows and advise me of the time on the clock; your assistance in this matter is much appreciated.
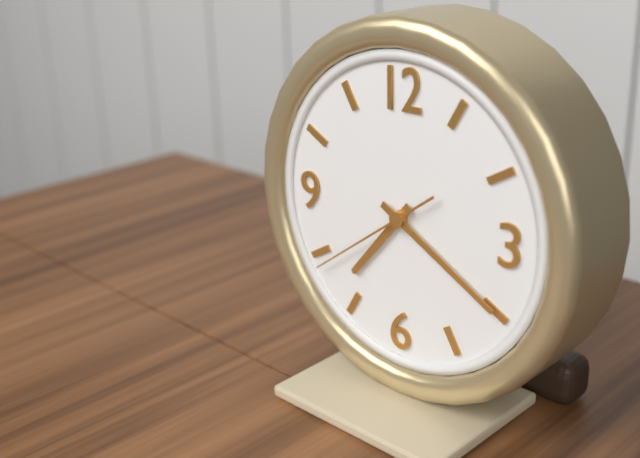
7:20:39
